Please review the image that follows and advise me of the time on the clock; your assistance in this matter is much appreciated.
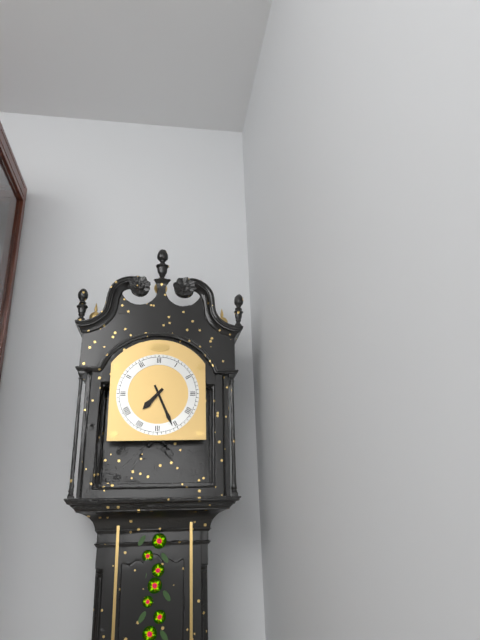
7:26
